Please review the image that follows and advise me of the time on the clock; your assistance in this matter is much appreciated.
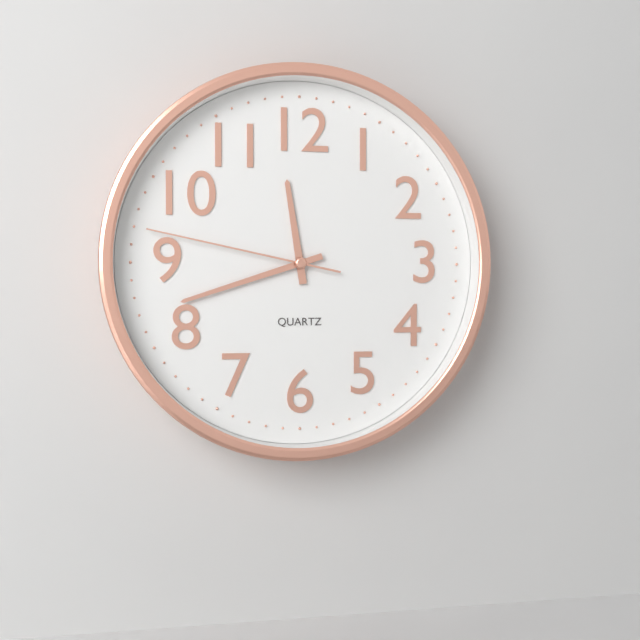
11:42:47
